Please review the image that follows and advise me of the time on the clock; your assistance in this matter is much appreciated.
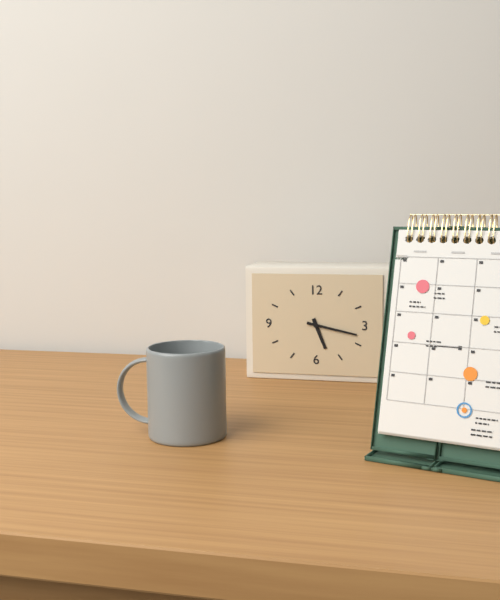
5:17
